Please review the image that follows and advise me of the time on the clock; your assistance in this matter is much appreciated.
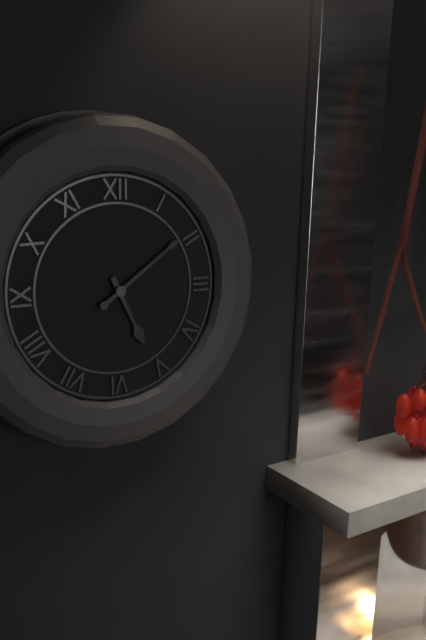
5:09
